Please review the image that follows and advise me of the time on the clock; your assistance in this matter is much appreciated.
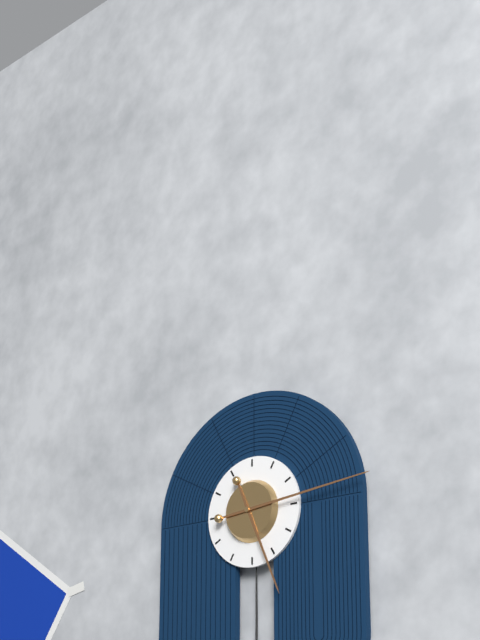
5:14
